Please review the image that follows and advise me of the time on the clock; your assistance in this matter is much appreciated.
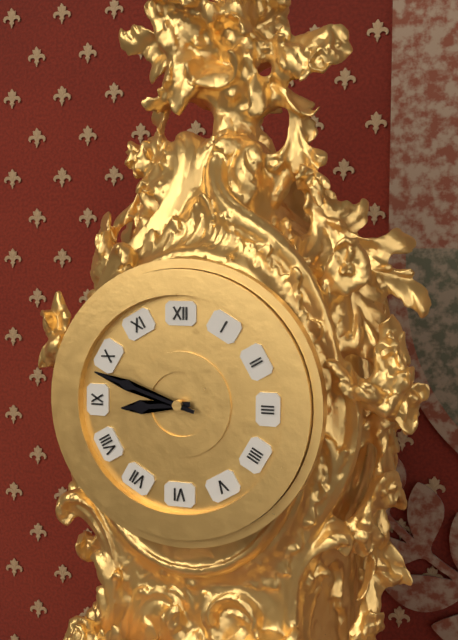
8:48
